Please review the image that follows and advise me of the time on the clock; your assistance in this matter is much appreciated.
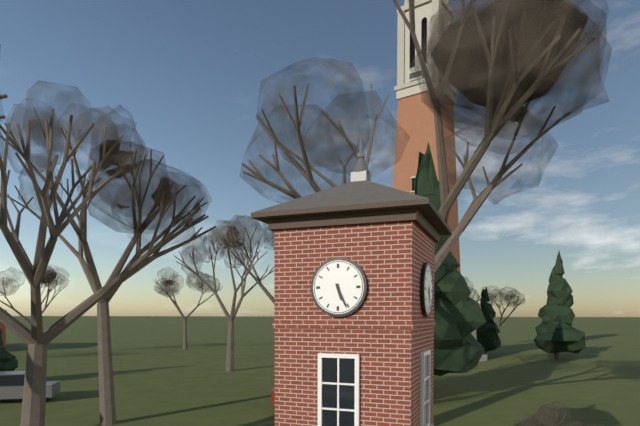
5:26
